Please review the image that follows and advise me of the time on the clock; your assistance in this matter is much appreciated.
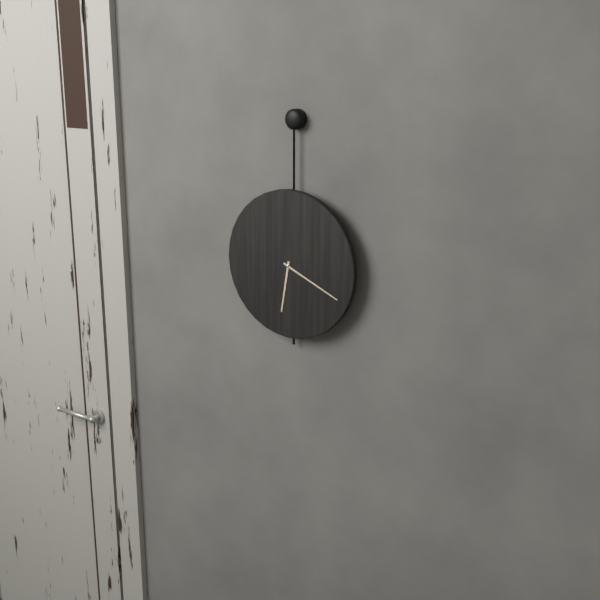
6:19
